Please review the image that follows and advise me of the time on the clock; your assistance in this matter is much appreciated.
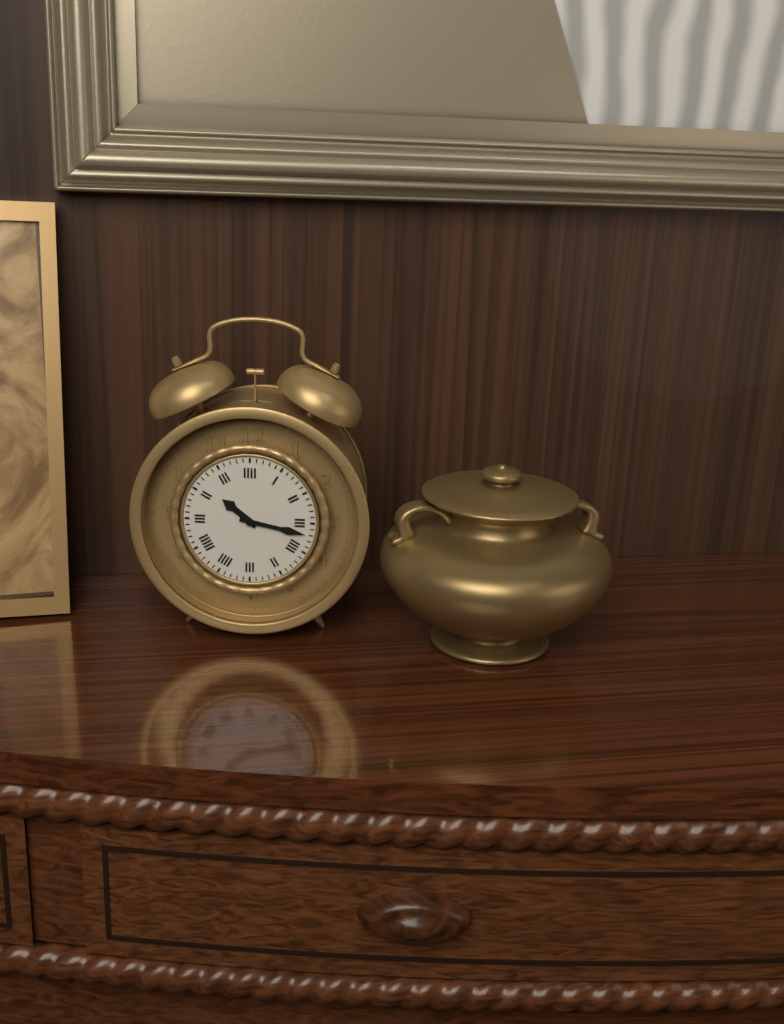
10:17
